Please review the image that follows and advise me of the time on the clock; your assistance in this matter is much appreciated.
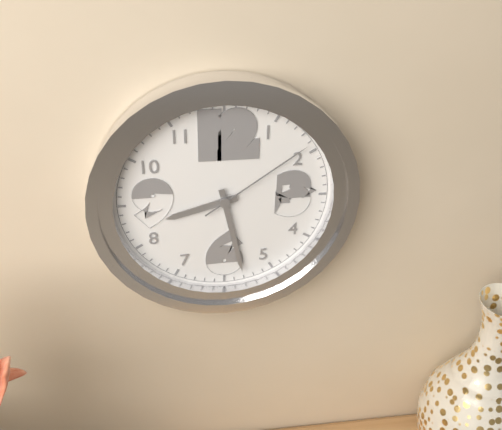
8:28:09
